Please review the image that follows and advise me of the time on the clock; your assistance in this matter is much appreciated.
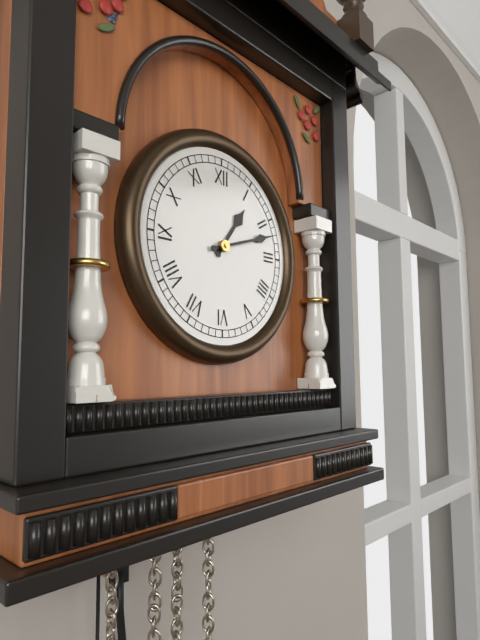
1:12
